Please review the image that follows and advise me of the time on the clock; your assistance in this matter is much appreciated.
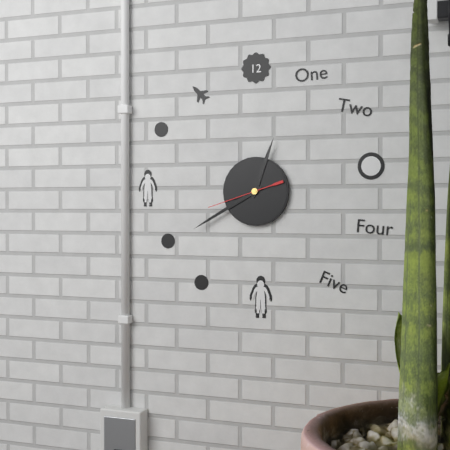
12:40:42
